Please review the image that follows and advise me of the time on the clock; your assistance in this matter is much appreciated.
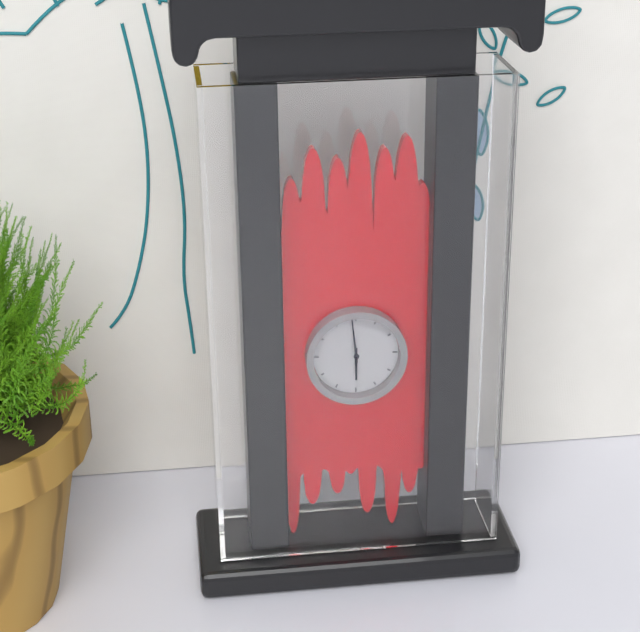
5:59
